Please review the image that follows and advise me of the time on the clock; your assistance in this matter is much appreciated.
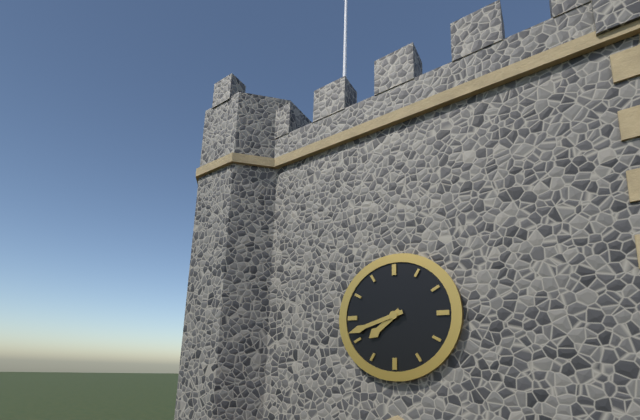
7:42
